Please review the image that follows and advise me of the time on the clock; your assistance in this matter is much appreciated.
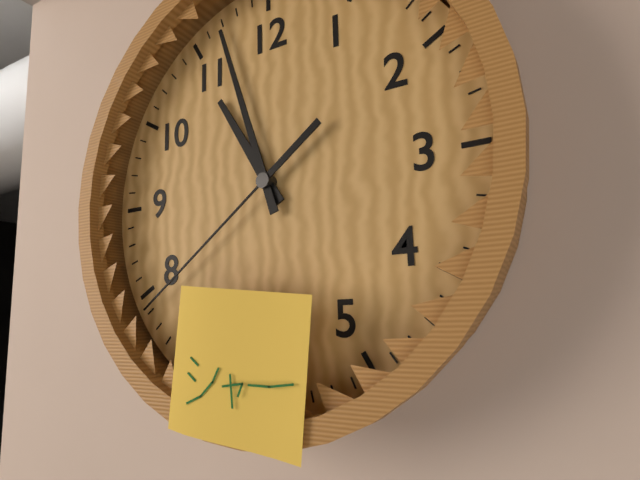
10:57:39
